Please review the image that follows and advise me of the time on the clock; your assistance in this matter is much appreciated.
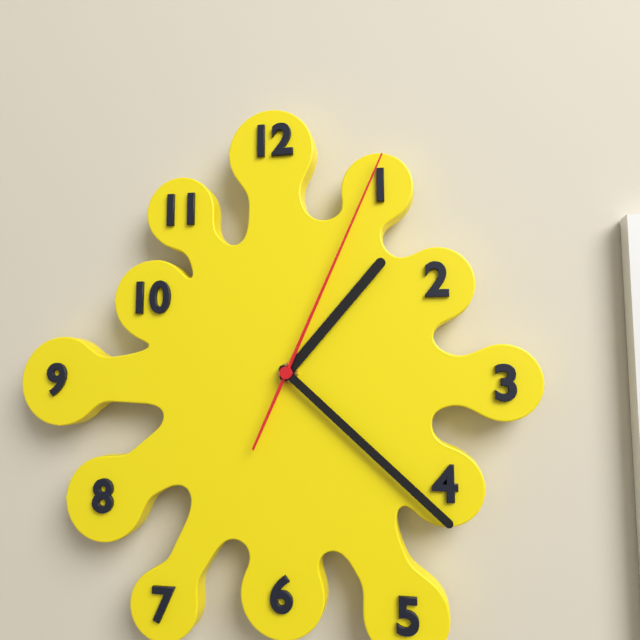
1:22:04
